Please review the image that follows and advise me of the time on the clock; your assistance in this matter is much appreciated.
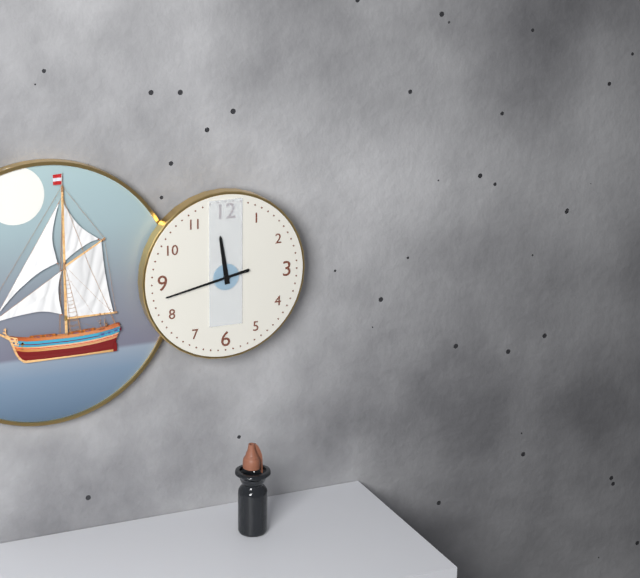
11:43
